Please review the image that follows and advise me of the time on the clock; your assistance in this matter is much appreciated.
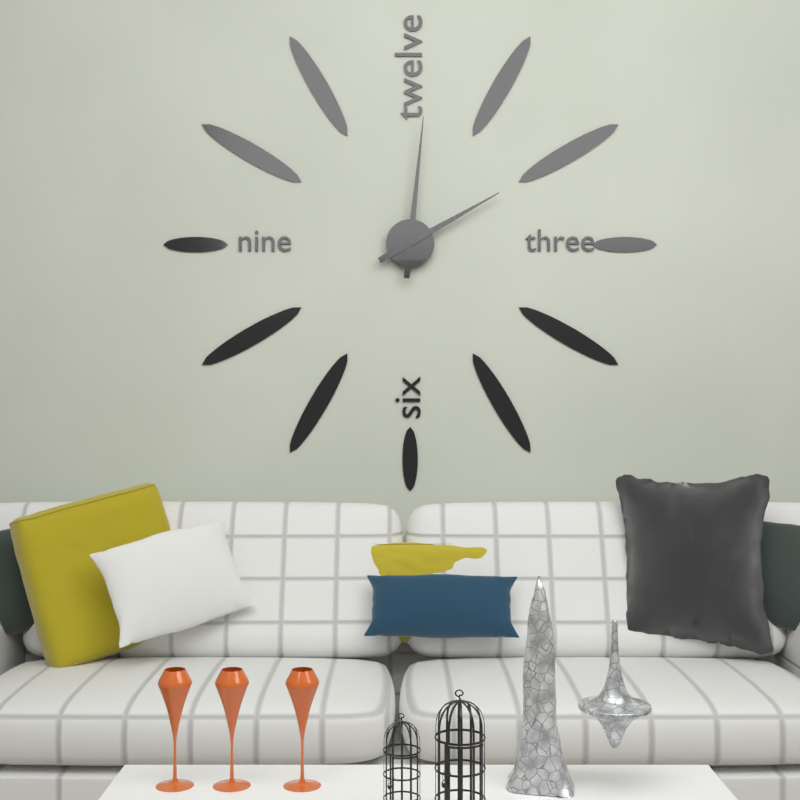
2:01
